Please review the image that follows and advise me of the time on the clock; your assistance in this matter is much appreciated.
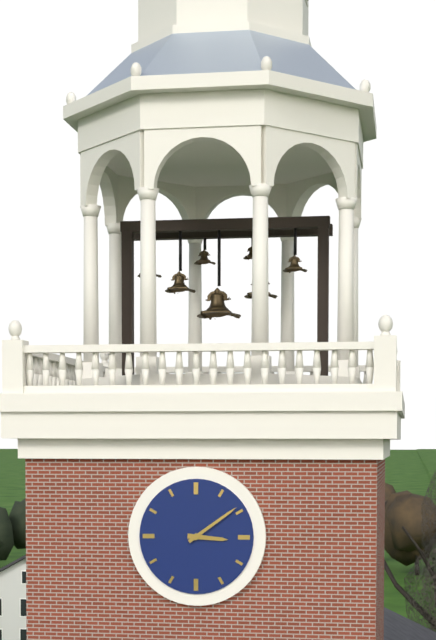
3:09
